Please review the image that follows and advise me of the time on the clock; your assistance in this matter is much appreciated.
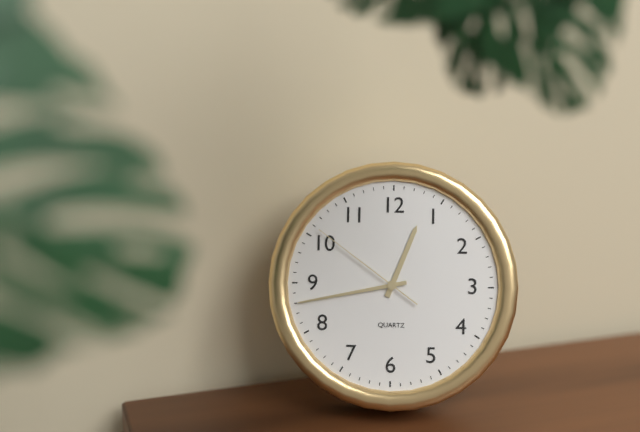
12:43:51
